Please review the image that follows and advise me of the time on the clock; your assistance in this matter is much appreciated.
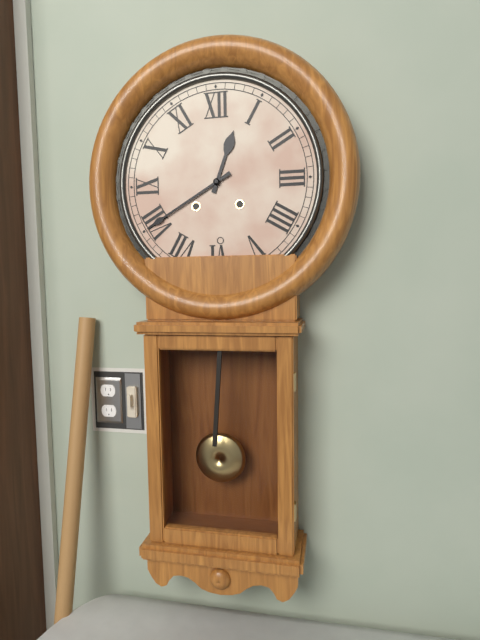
12:40
